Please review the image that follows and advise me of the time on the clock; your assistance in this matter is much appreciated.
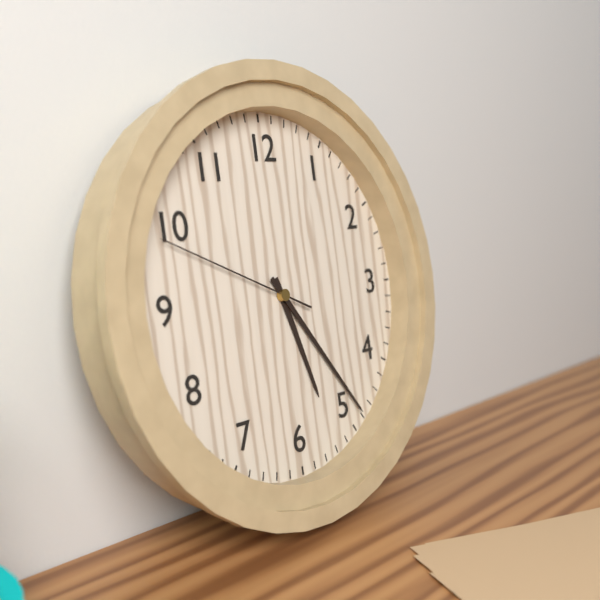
5:24:49
